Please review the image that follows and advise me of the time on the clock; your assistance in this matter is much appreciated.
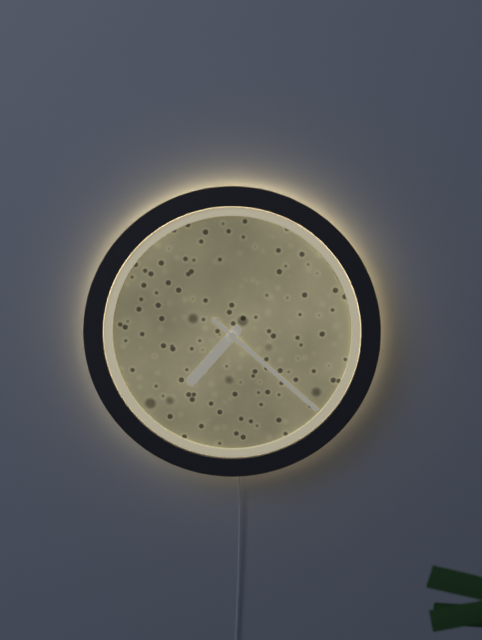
7:22
